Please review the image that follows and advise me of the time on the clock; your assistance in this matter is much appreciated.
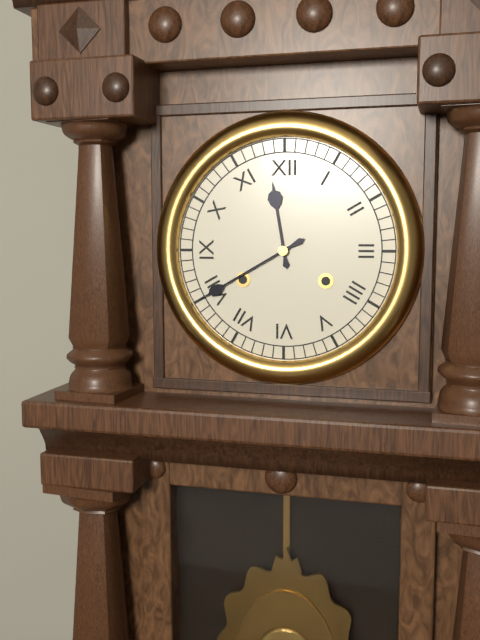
11:40
